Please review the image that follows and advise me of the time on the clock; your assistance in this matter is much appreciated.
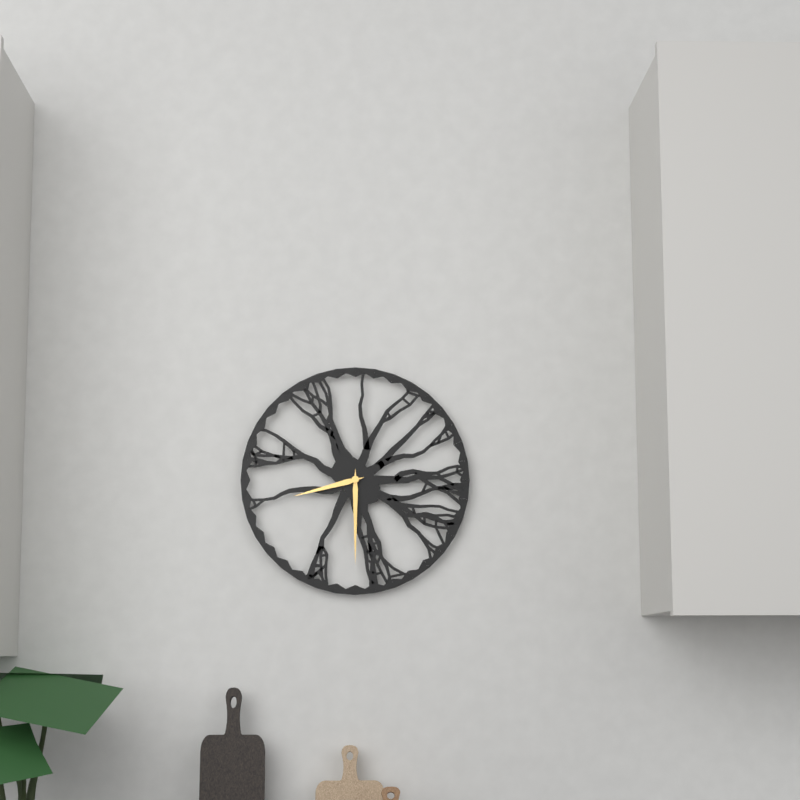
8:30
